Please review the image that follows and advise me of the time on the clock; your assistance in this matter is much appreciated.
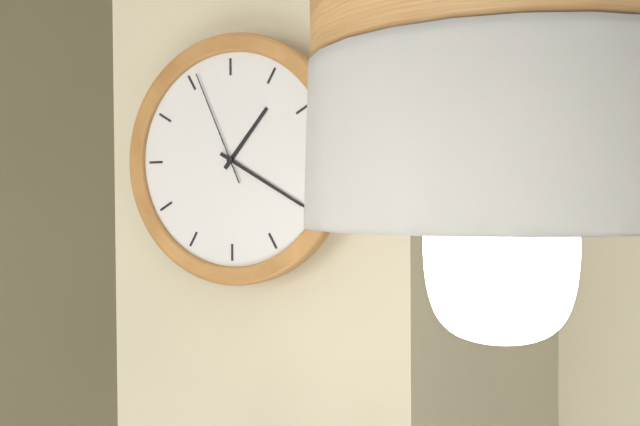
1:20:56
